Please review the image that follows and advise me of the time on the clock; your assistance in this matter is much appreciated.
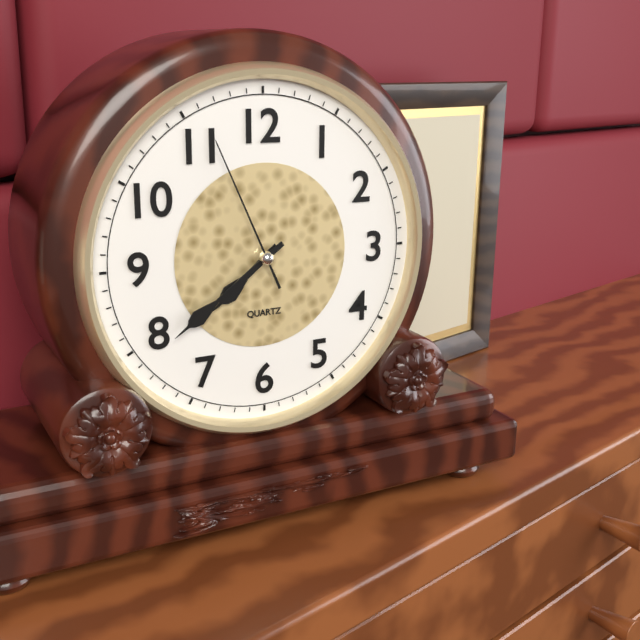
7:39:56
